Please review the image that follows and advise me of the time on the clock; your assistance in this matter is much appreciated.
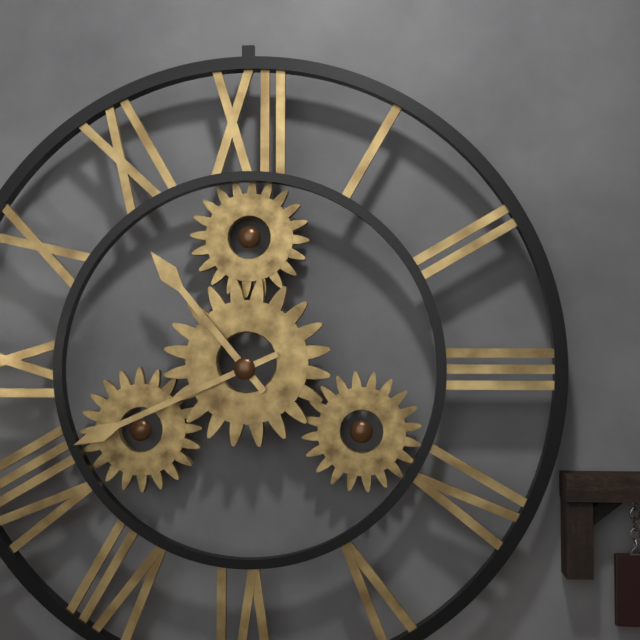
10:41
